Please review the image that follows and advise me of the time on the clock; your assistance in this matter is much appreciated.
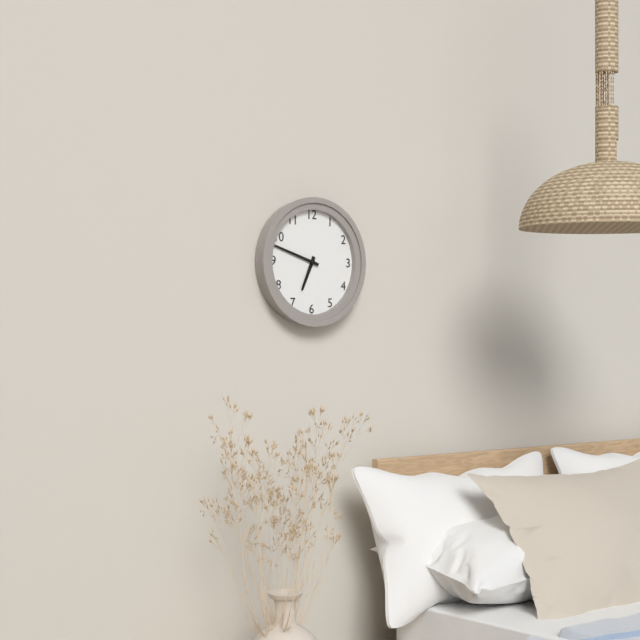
6:48
